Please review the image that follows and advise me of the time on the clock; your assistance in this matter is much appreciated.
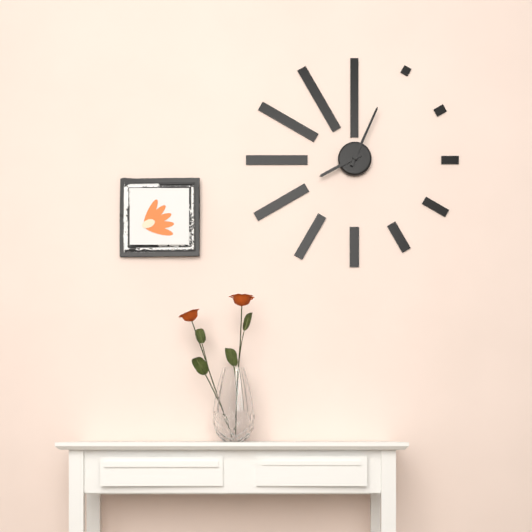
8:04
